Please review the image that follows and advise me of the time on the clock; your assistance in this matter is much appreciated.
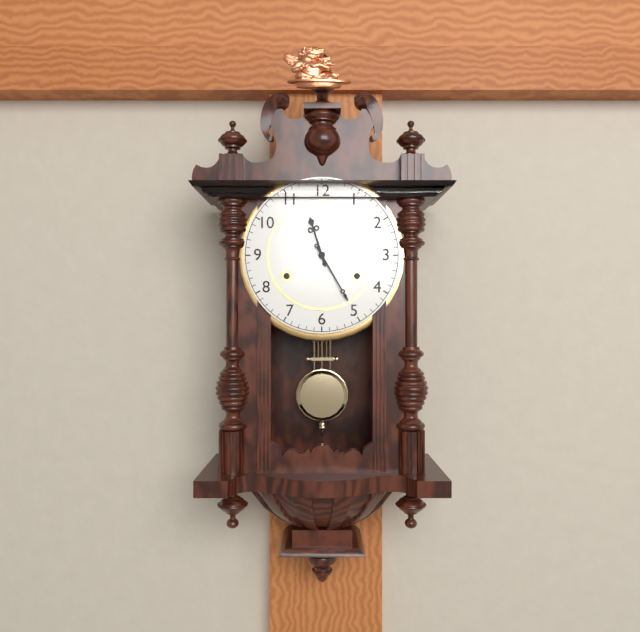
11:25
